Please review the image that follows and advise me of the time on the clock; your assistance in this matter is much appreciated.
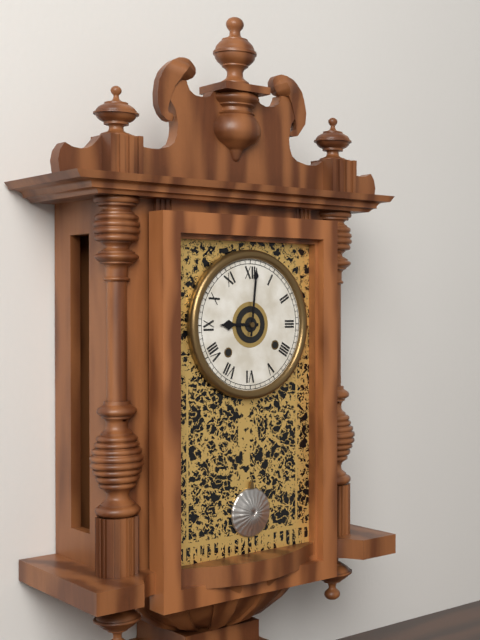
9:01
